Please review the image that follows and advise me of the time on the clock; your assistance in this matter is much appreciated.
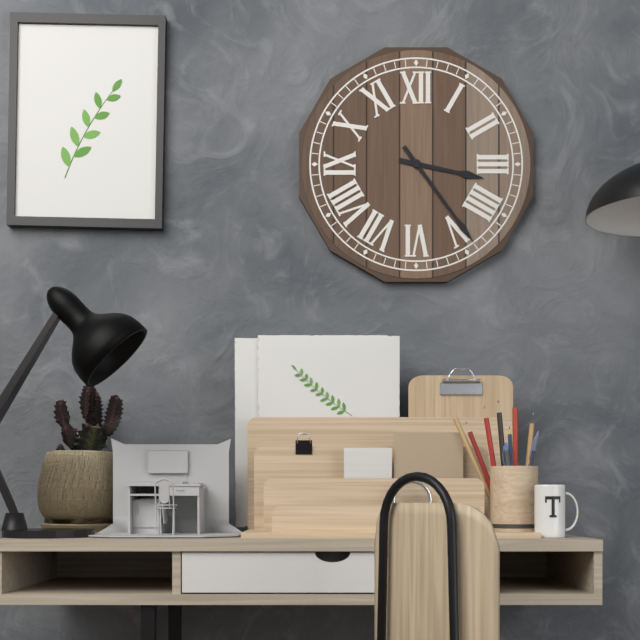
3:24
